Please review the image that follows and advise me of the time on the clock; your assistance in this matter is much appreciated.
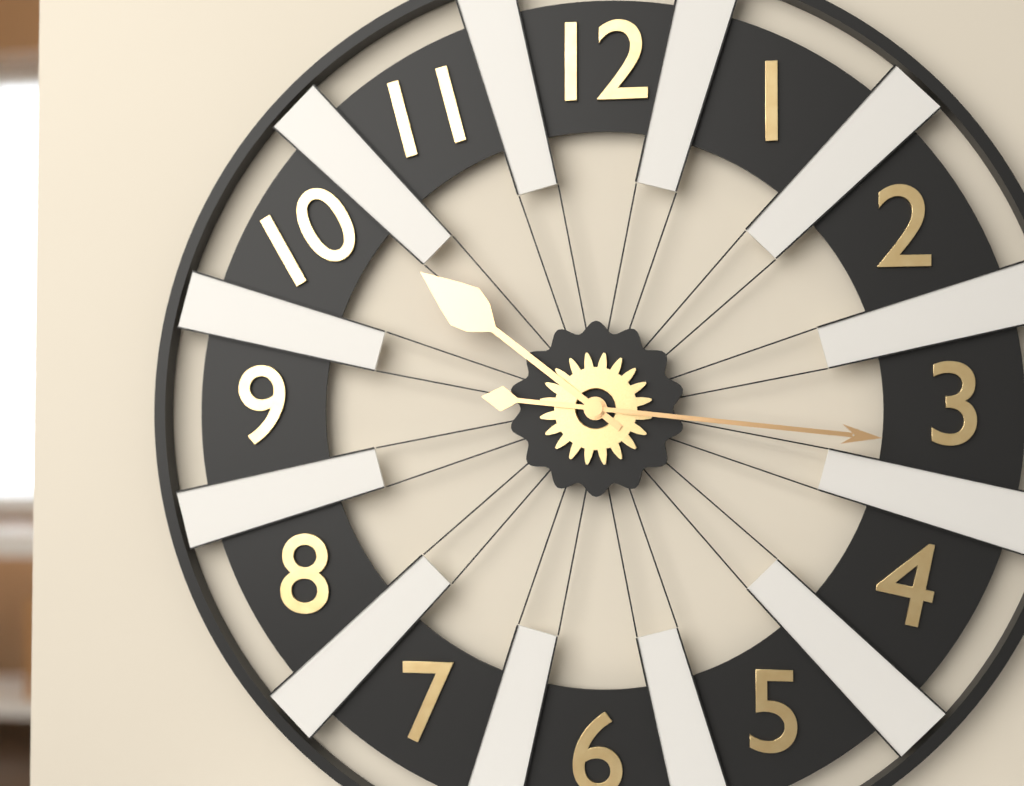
10:16
